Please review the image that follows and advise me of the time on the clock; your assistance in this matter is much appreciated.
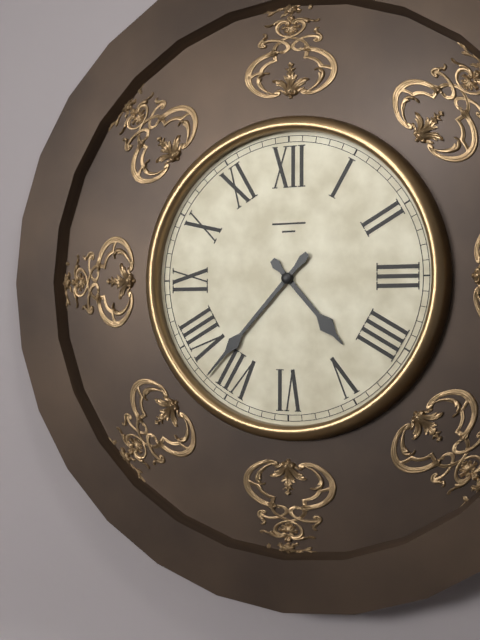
4:37
